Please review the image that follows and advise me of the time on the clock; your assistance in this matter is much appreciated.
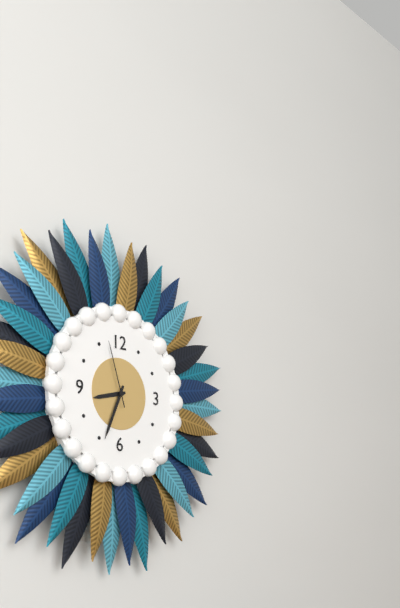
8:34:57
